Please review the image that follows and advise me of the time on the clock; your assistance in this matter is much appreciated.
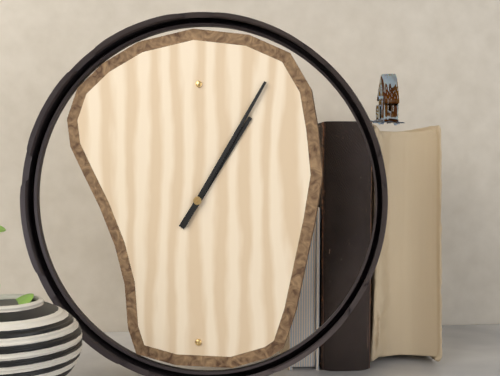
1:05
